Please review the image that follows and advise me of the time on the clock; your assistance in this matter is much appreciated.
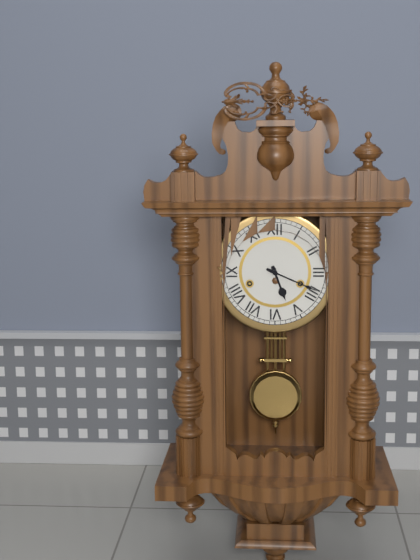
5:19
